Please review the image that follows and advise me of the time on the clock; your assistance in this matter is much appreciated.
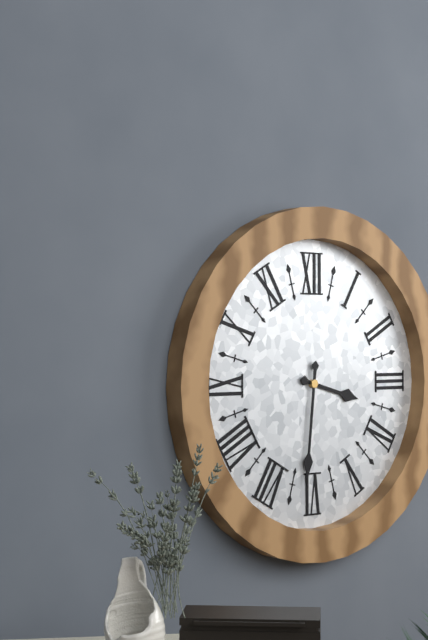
3:31
